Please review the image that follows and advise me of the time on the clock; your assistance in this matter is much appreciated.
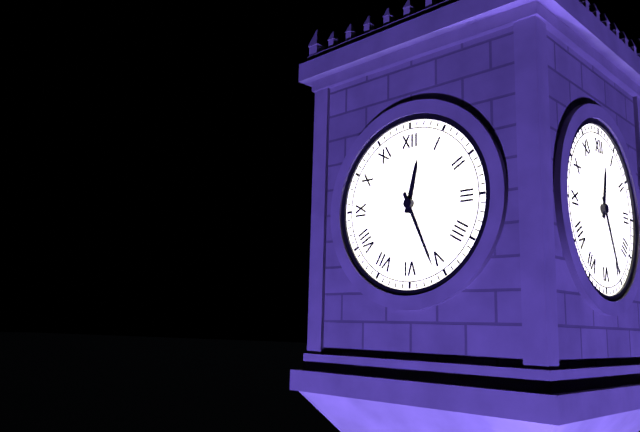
12:26
